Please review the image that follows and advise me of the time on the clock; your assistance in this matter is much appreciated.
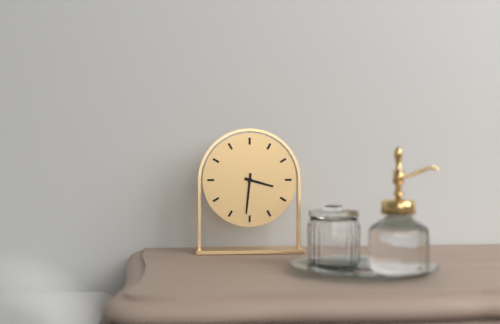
3:31
